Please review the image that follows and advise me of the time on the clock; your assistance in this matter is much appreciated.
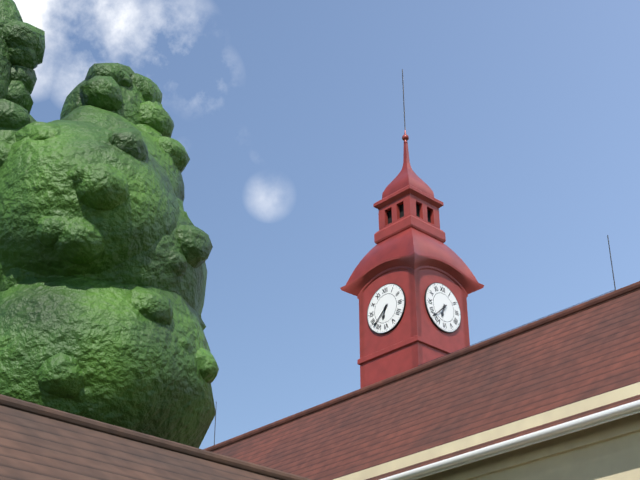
6:38
